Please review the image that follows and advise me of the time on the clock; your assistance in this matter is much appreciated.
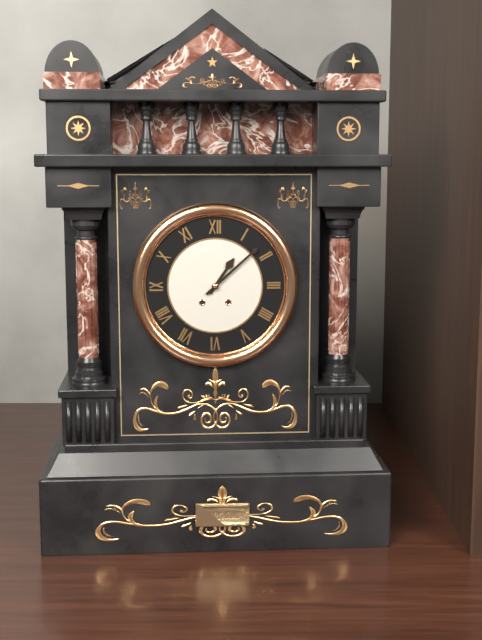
1:08
